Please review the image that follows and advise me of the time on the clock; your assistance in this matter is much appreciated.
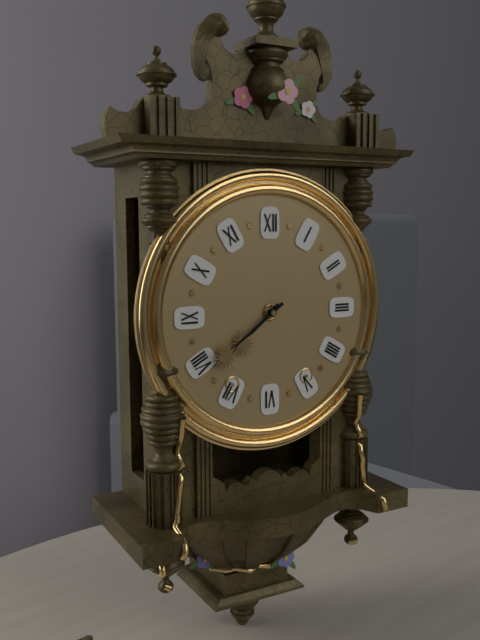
7:39
